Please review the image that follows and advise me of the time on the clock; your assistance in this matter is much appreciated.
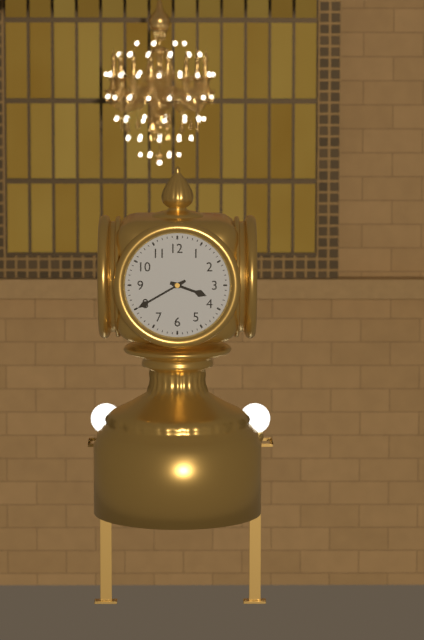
3:40
